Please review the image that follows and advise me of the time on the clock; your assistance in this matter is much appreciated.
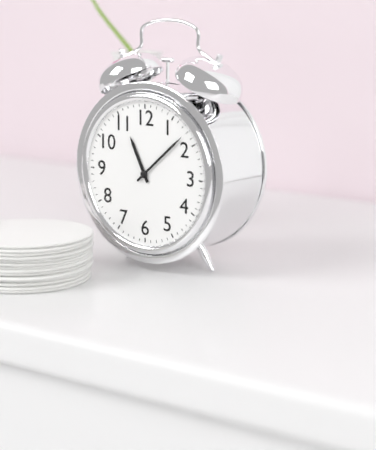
11:08
